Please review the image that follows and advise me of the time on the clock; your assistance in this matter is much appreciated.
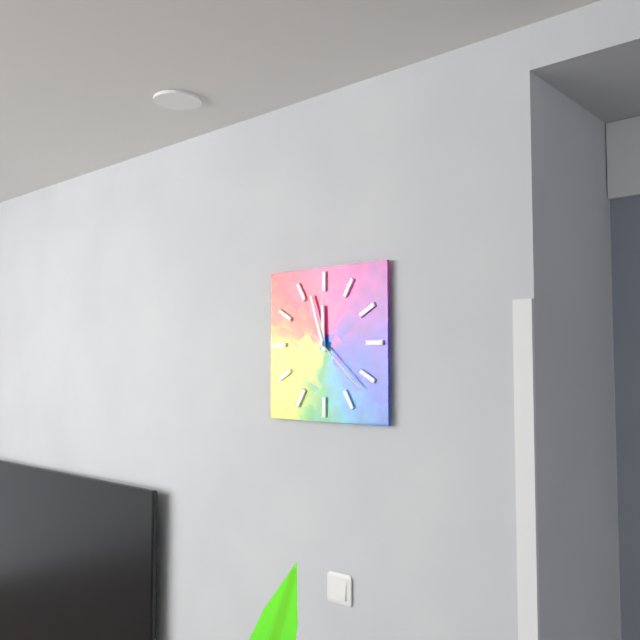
11:57:22
